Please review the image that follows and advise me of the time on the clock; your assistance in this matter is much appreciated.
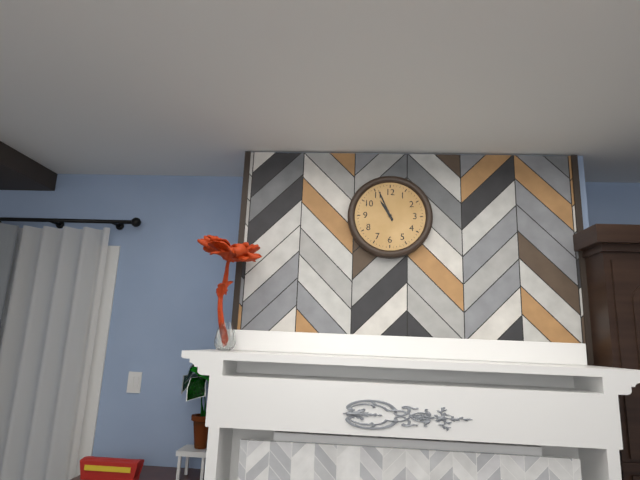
10:56
